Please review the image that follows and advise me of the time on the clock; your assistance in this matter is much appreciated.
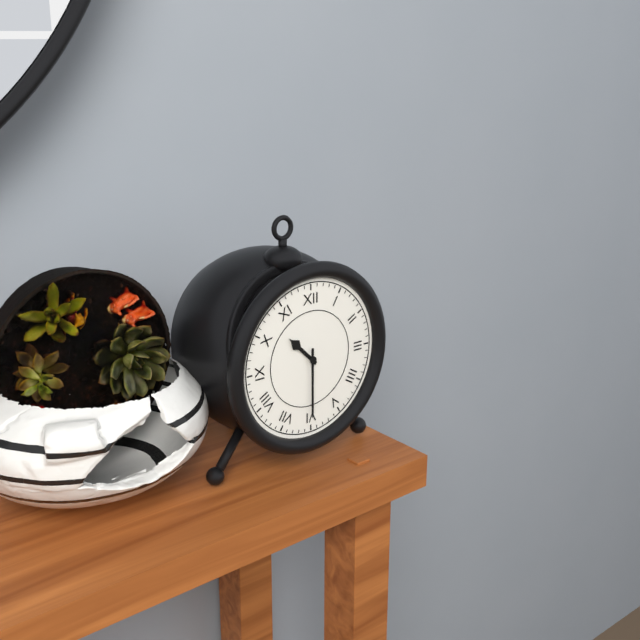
10:30
